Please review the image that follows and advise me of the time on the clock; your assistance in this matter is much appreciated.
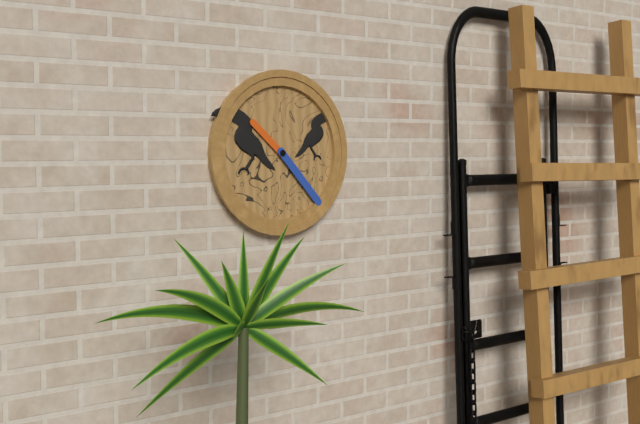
10:23
